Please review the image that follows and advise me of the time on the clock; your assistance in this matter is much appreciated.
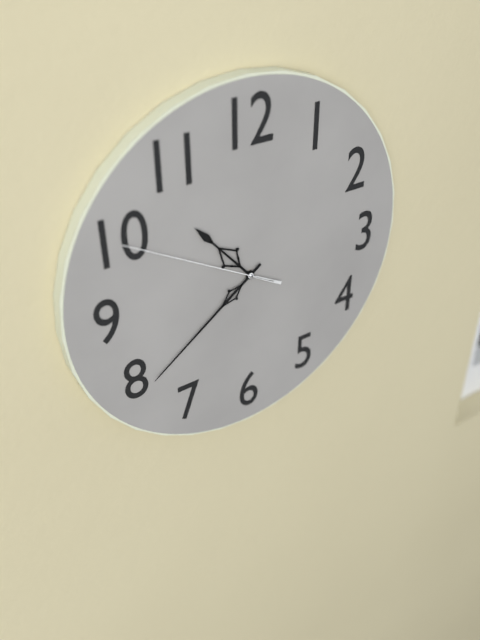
10:39:50
